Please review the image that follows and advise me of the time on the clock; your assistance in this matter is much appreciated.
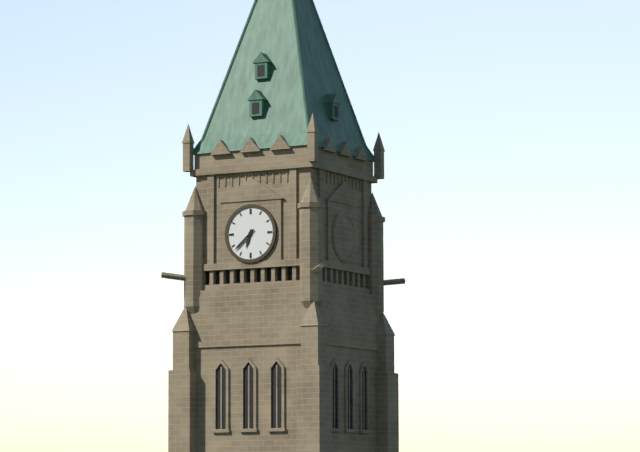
6:38
